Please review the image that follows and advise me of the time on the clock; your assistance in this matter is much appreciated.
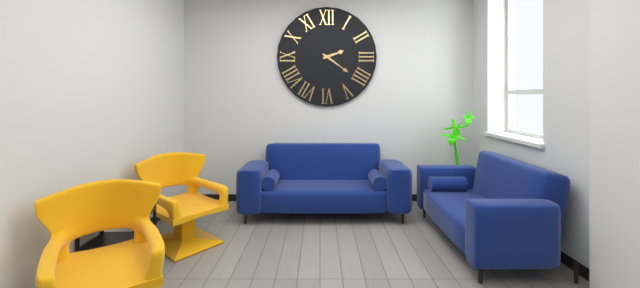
2:21
